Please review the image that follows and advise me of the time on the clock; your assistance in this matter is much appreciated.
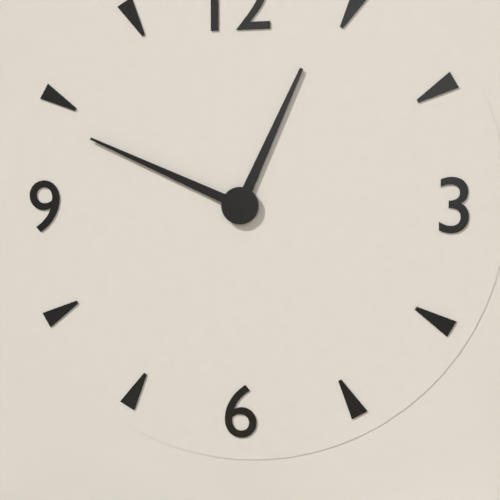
12:49
